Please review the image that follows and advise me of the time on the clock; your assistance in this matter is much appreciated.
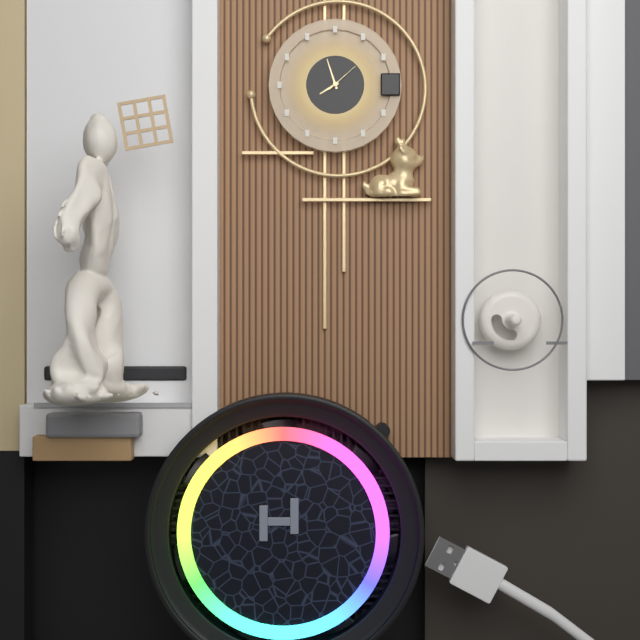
7:57
